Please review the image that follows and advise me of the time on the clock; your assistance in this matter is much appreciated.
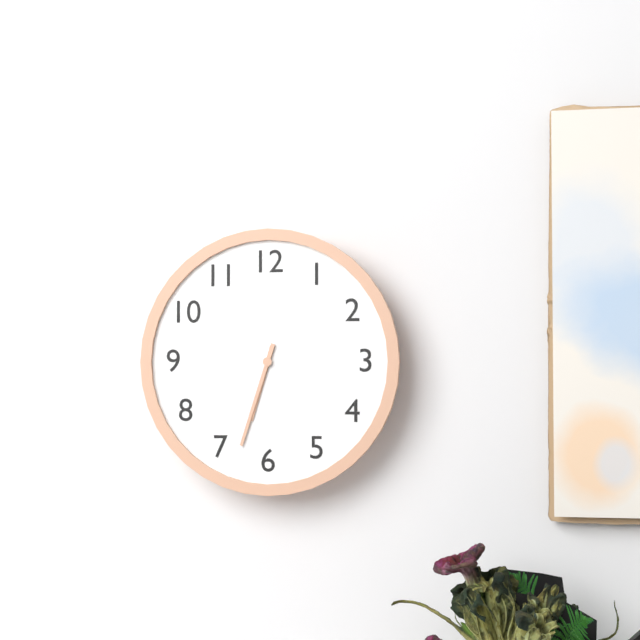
6:33
